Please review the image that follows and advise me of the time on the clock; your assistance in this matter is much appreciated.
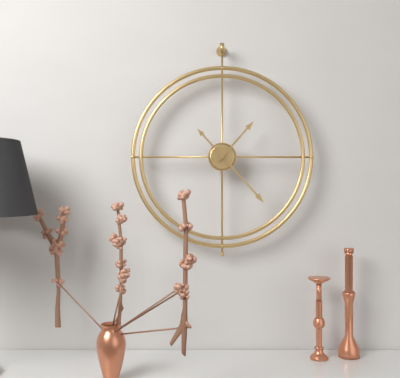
1:23
